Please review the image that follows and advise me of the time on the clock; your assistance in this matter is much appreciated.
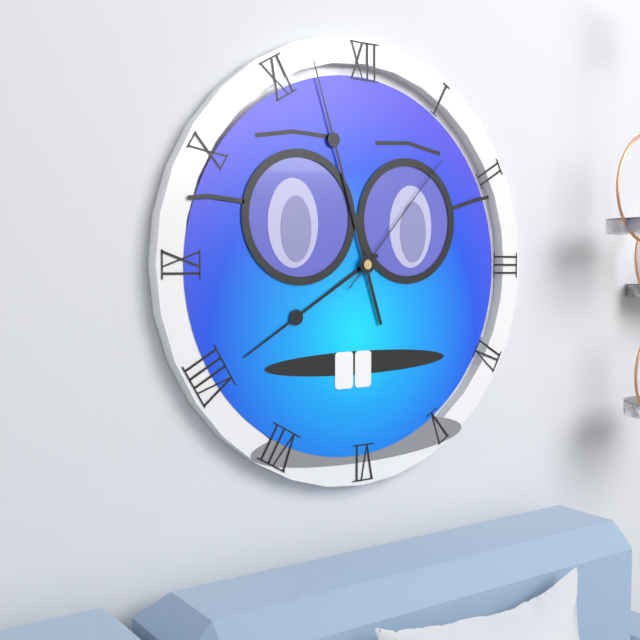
7:57:07
